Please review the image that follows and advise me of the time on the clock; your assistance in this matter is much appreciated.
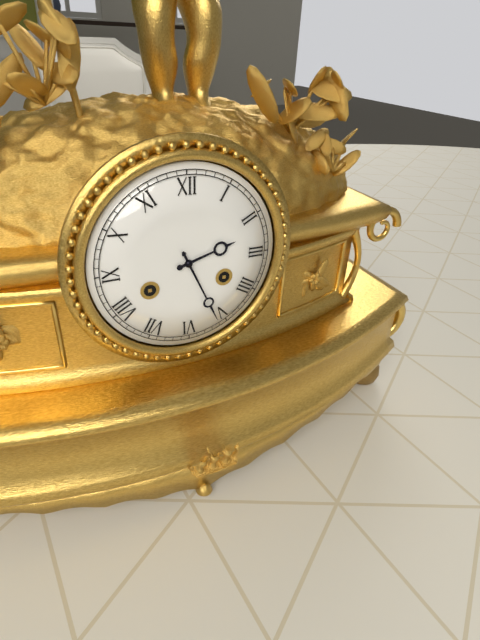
2:26
